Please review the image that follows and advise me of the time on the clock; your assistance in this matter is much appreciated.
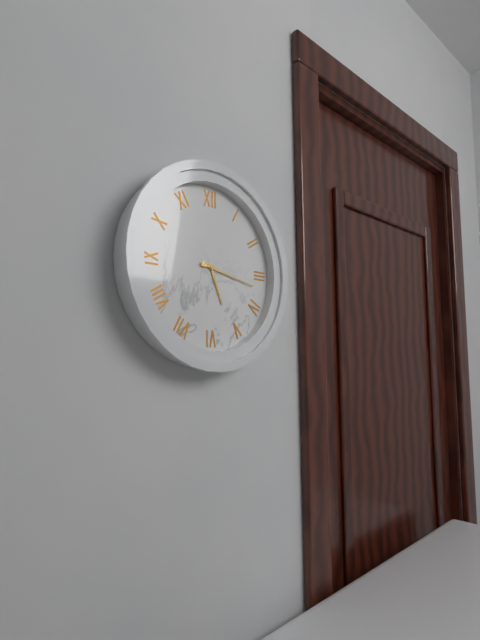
5:17
